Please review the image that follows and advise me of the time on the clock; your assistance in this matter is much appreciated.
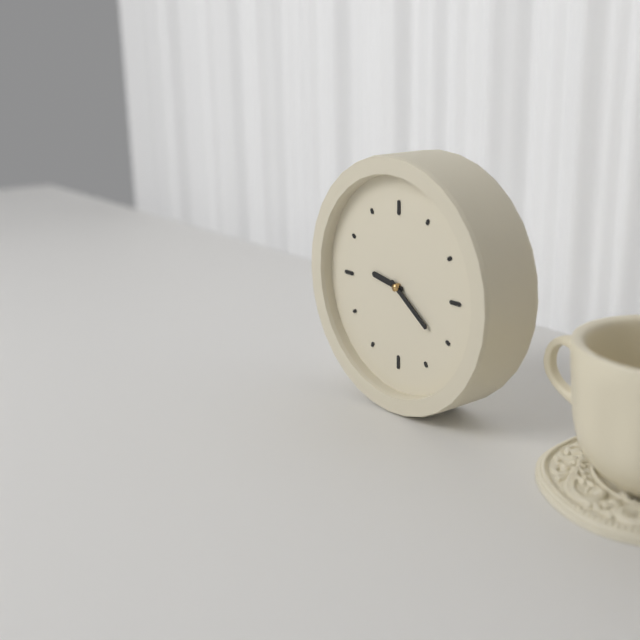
9:21
